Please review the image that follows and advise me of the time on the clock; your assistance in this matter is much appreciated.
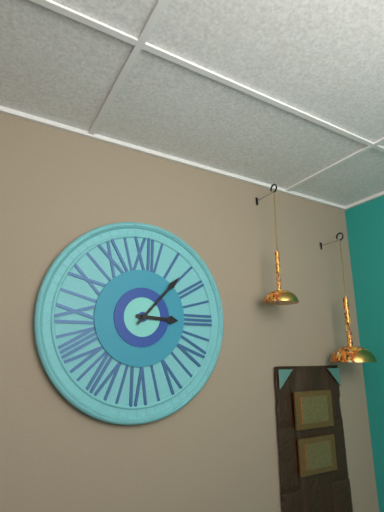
3:07
